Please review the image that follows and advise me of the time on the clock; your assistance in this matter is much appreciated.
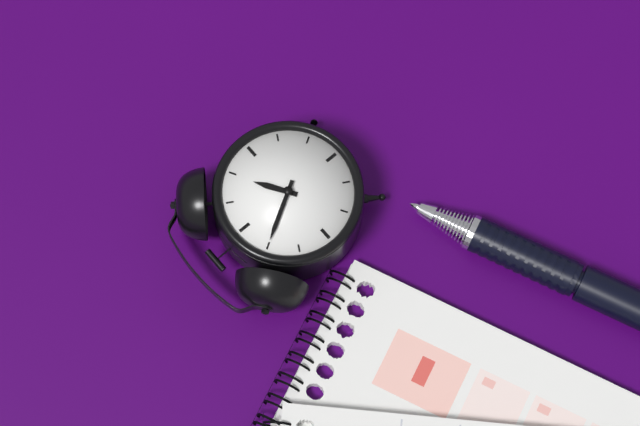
1:55
